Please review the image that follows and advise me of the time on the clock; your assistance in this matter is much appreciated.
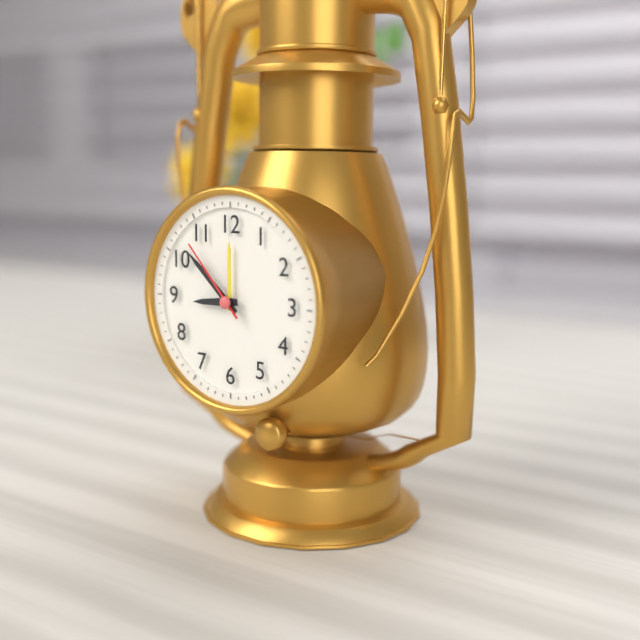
8:52:53
